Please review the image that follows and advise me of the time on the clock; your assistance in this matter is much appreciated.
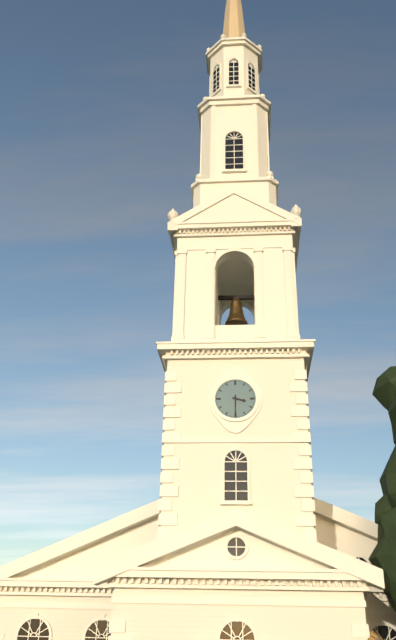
3:30
